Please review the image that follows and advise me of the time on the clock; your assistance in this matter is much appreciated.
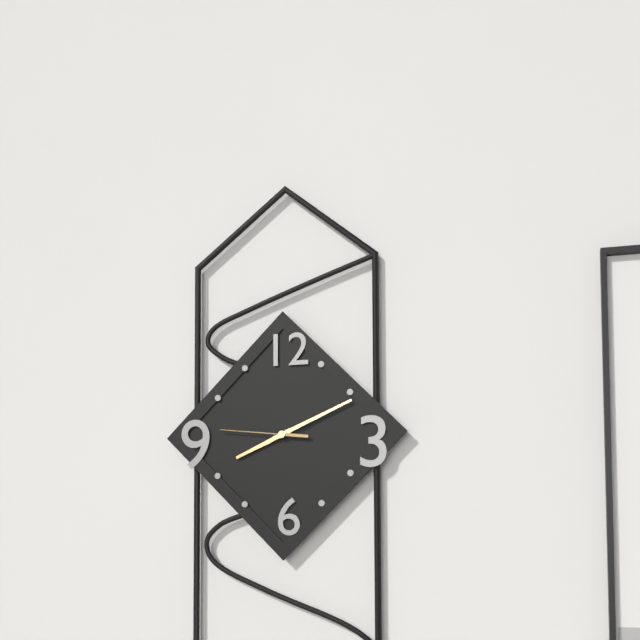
8:11:46
